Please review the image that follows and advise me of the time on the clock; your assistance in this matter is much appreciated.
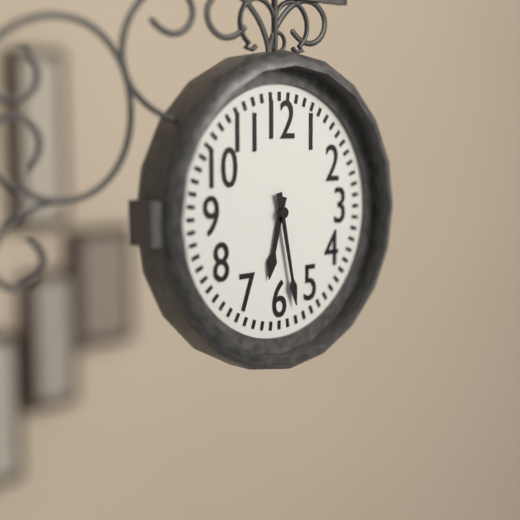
6:28
